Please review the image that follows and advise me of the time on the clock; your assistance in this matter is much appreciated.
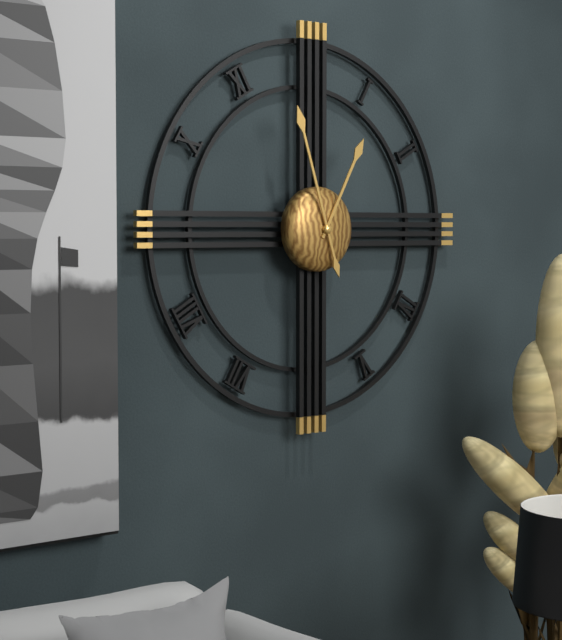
12:57
